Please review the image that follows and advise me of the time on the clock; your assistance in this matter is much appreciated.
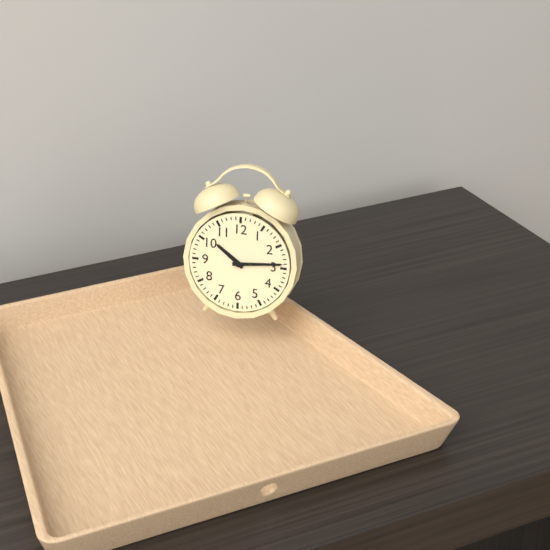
10:14
